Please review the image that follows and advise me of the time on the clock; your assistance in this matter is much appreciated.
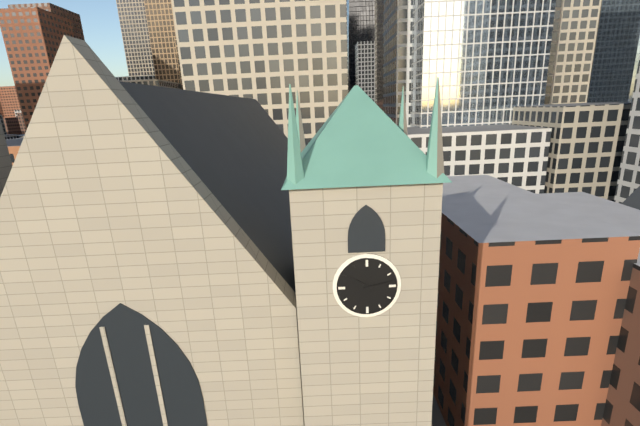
10:13
